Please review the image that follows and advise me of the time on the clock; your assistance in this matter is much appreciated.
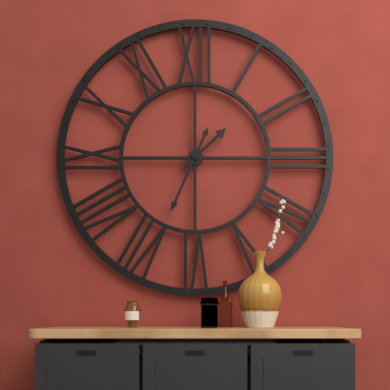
1:34
